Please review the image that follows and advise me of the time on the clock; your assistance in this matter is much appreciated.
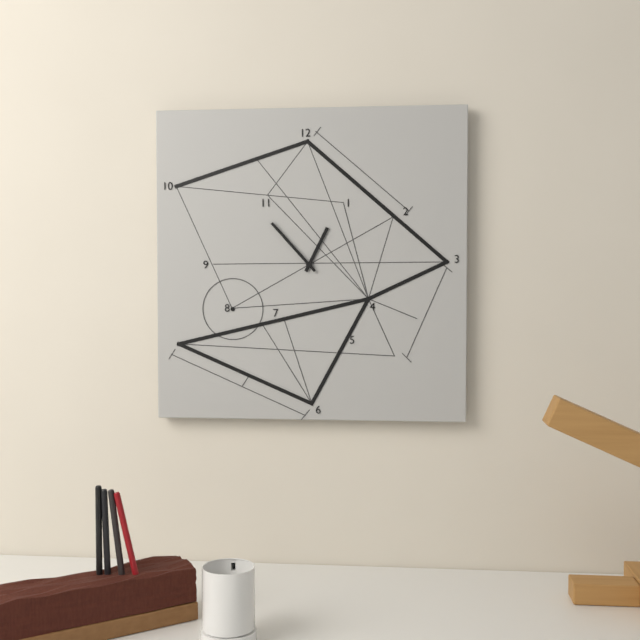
12:53
